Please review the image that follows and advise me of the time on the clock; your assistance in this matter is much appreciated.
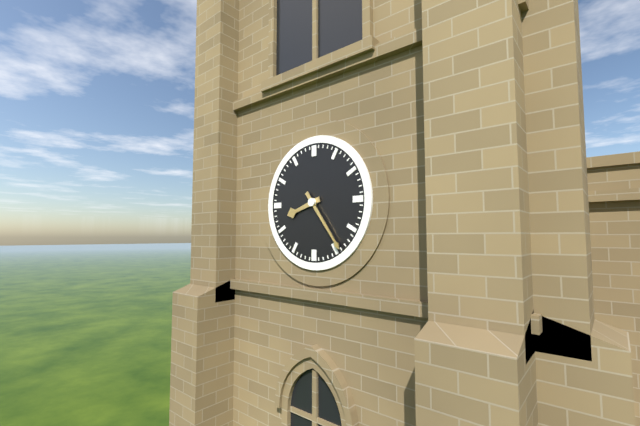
8:24
